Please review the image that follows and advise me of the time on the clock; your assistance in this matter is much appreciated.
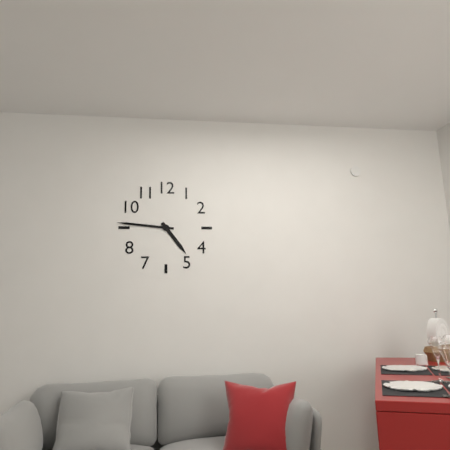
4:46
